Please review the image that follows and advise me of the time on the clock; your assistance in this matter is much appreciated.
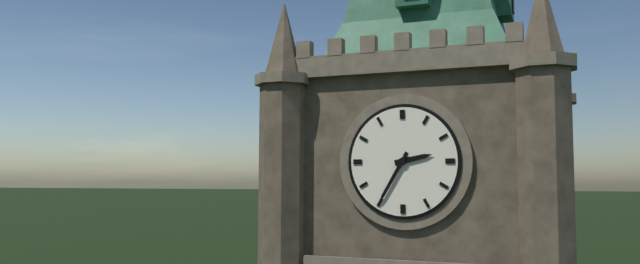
2:35
